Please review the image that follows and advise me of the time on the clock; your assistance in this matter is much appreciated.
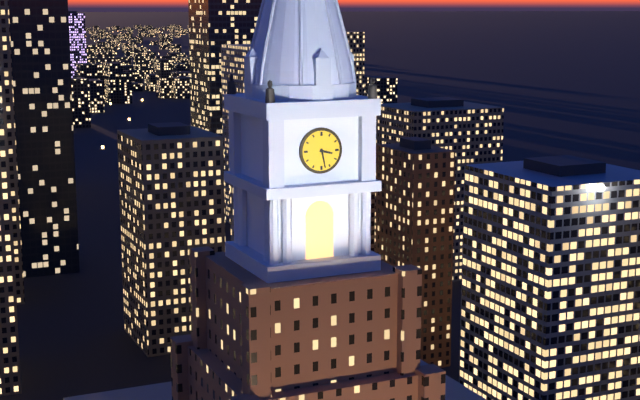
3:28
